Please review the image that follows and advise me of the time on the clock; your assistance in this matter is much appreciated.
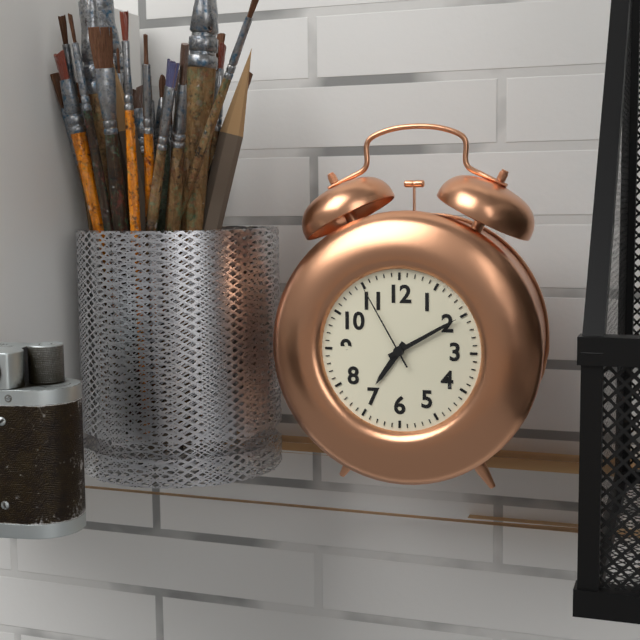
7:10:55
